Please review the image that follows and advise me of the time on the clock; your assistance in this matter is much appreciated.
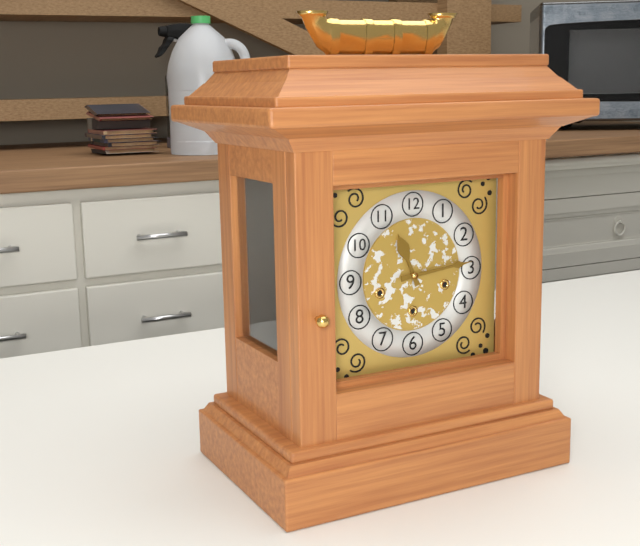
11:14
